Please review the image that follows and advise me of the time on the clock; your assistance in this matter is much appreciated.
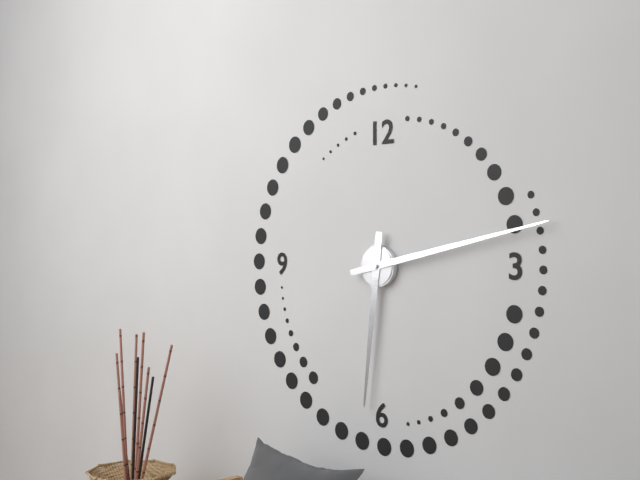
6:13
